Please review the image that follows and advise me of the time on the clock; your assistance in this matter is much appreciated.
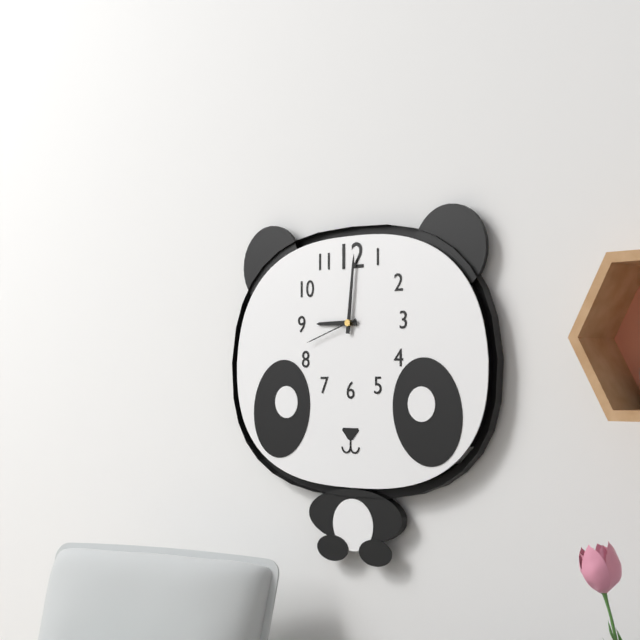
9:01:42
